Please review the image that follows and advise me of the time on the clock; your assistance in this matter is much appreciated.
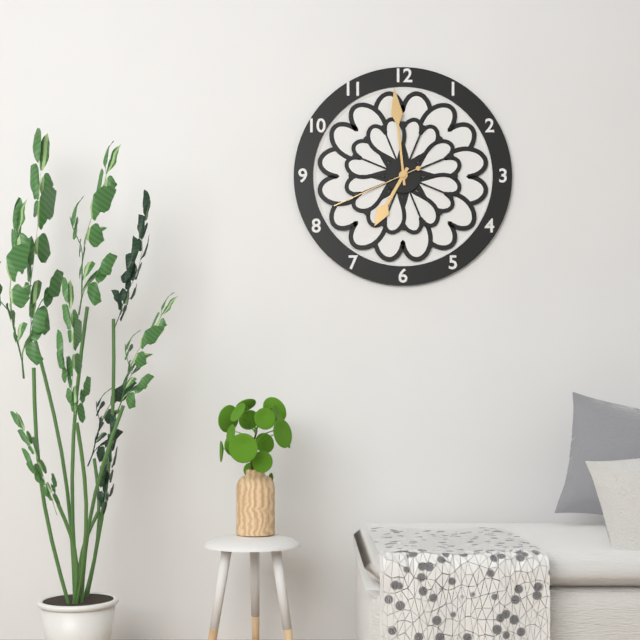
6:59:41
